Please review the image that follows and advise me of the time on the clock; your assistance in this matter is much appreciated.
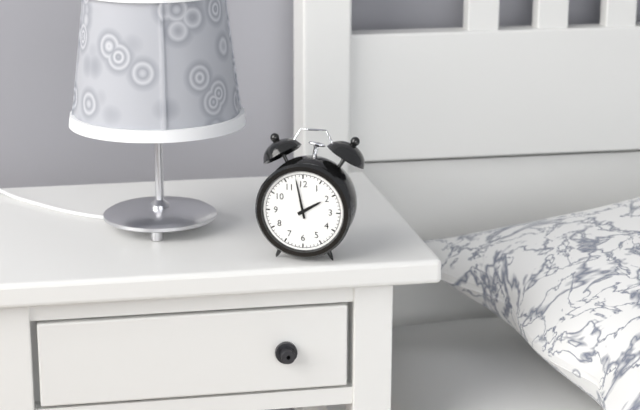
1:58
